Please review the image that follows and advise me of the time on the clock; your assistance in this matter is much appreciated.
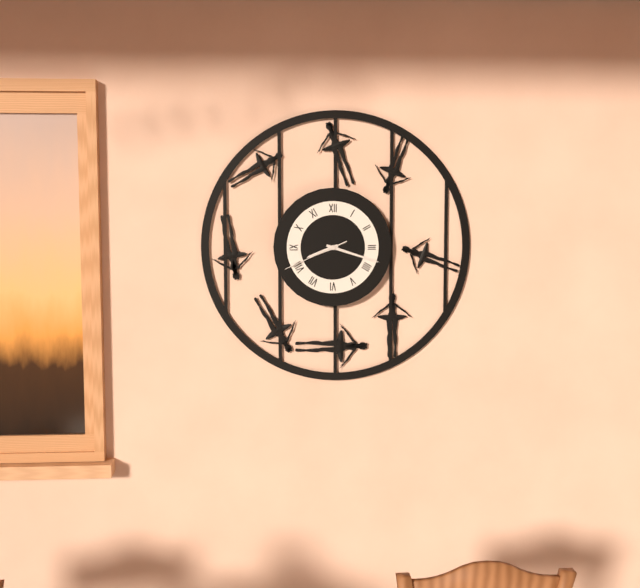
8:18:41
